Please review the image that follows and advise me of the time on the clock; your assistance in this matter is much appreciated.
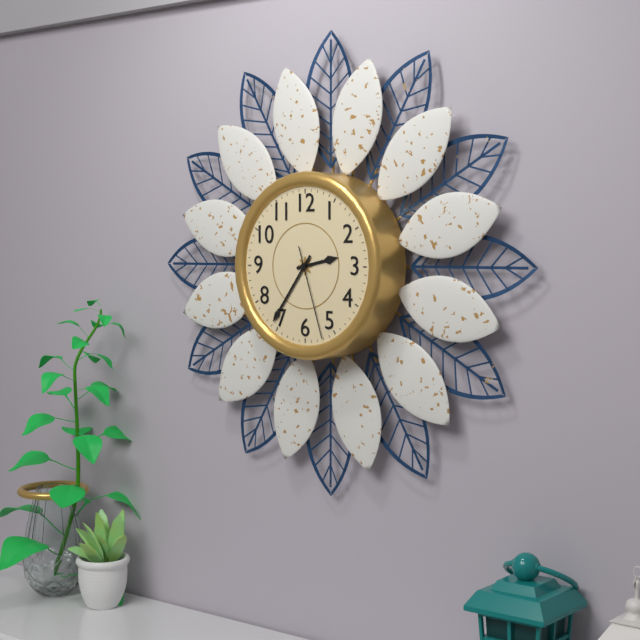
2:36:27
